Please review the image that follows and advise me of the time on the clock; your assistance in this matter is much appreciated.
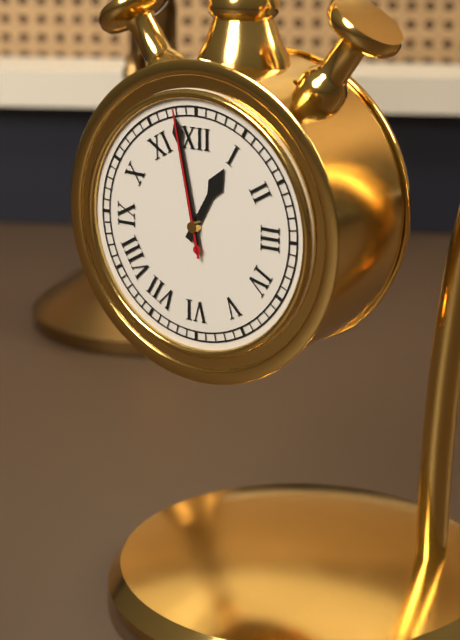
12:58:58
